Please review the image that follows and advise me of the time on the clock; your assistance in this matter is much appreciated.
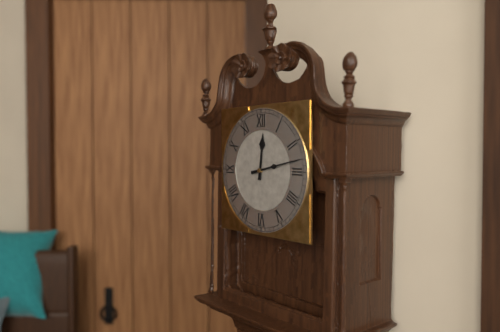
12:13
